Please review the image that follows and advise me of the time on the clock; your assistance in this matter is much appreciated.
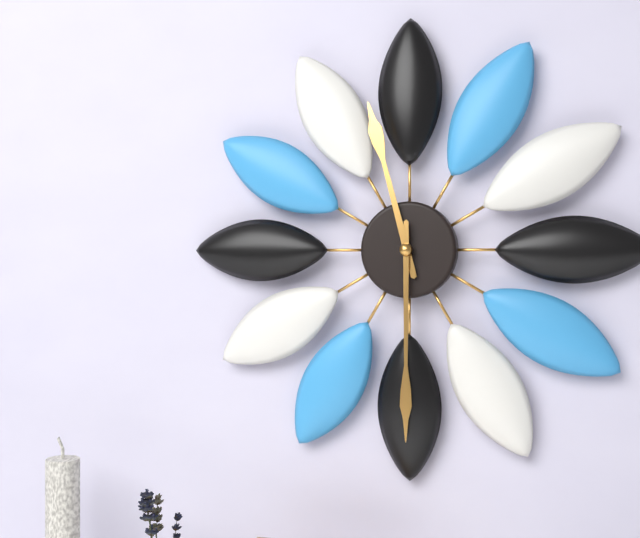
11:30
